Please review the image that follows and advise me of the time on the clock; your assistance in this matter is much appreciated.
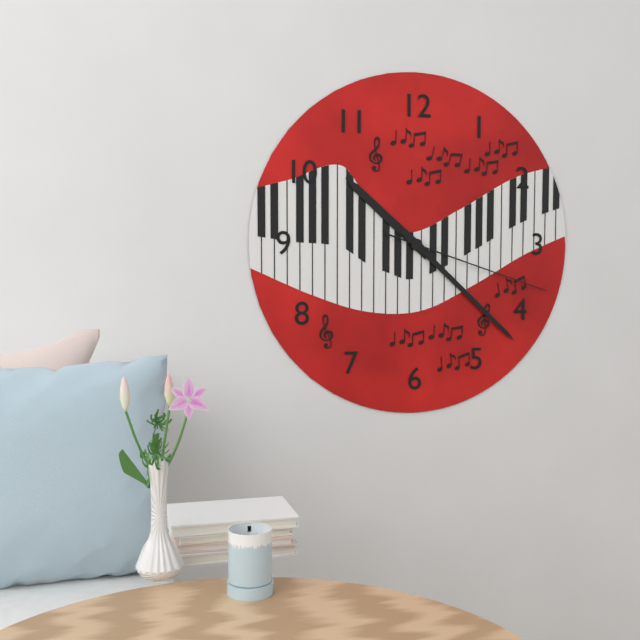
10:22:18
